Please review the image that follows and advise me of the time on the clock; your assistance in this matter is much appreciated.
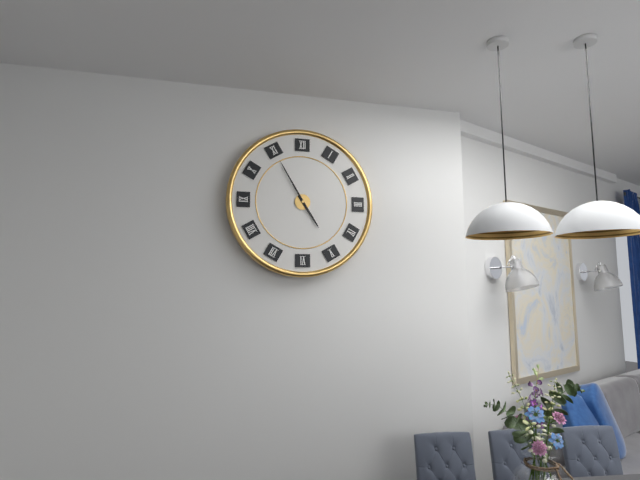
4:55
